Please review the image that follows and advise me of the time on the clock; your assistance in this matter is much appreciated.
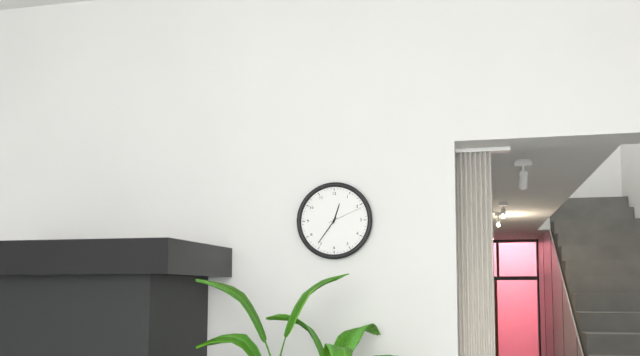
12:36
